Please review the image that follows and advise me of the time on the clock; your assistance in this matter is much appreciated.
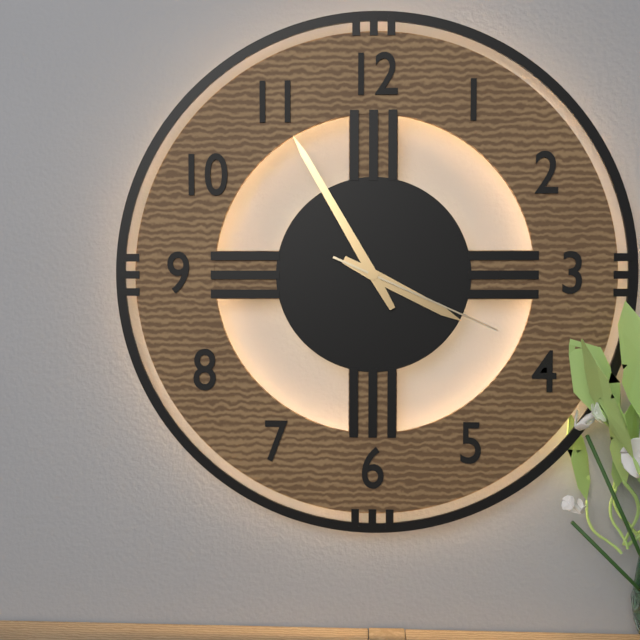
3:55:19
